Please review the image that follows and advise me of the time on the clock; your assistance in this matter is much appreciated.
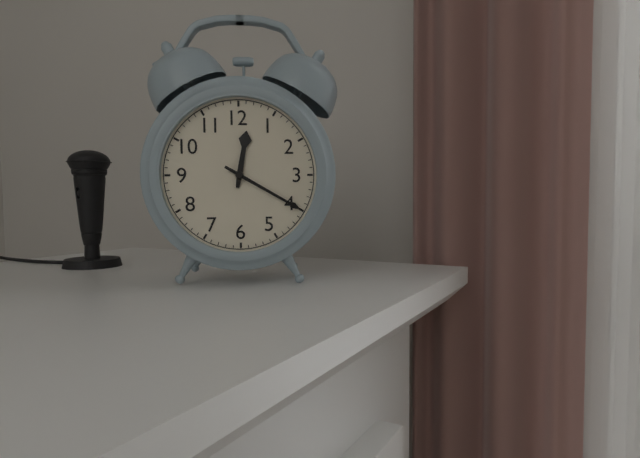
12:20
